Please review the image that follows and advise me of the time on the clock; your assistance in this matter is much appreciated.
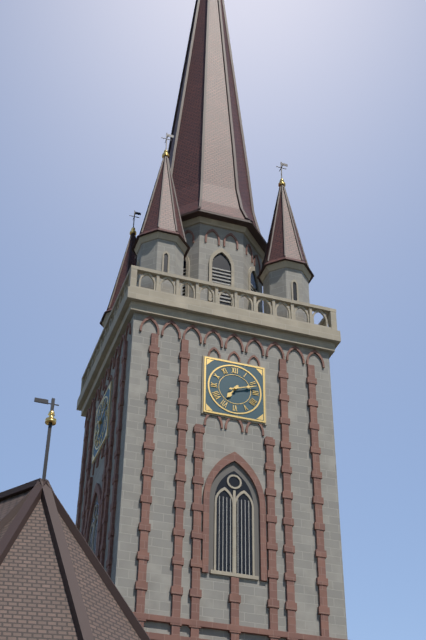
7:12
